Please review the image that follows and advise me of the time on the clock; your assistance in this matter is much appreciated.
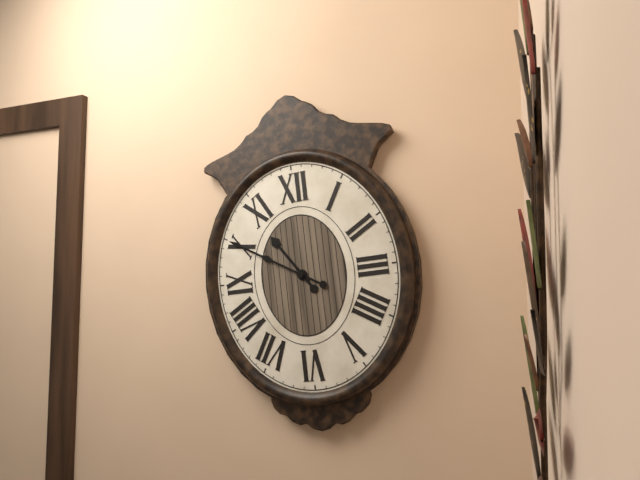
10:50
